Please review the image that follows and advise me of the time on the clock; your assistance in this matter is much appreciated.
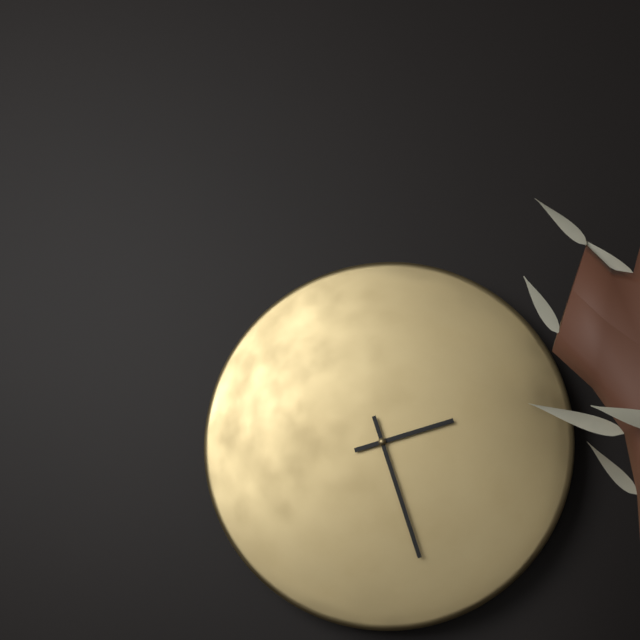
2:27
